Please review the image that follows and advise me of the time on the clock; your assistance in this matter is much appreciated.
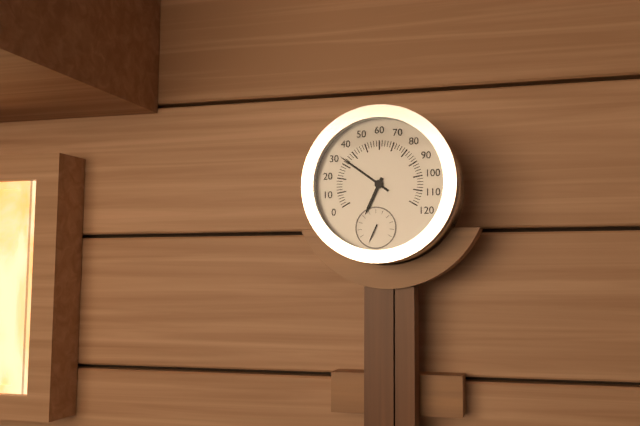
6:51
